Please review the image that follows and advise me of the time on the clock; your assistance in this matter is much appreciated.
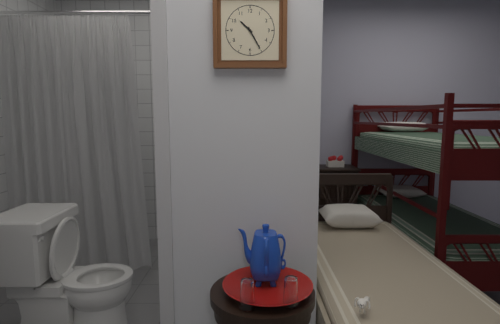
10:25
